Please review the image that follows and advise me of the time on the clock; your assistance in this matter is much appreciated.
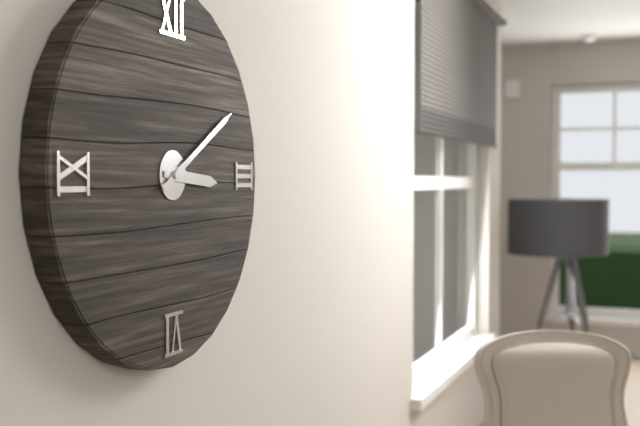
3:10
